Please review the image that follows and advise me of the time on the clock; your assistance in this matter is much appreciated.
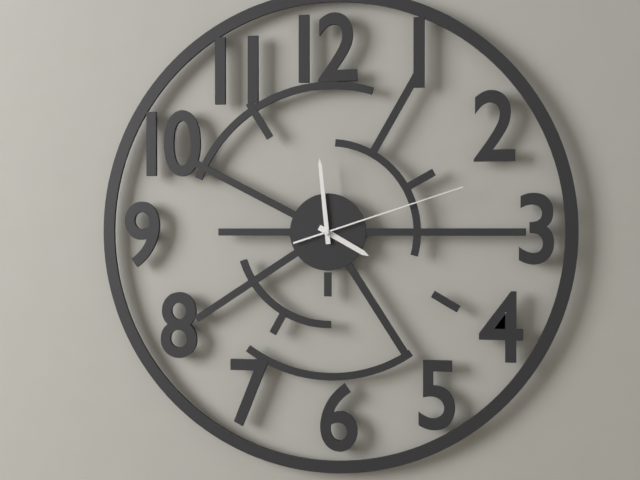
3:59:12
